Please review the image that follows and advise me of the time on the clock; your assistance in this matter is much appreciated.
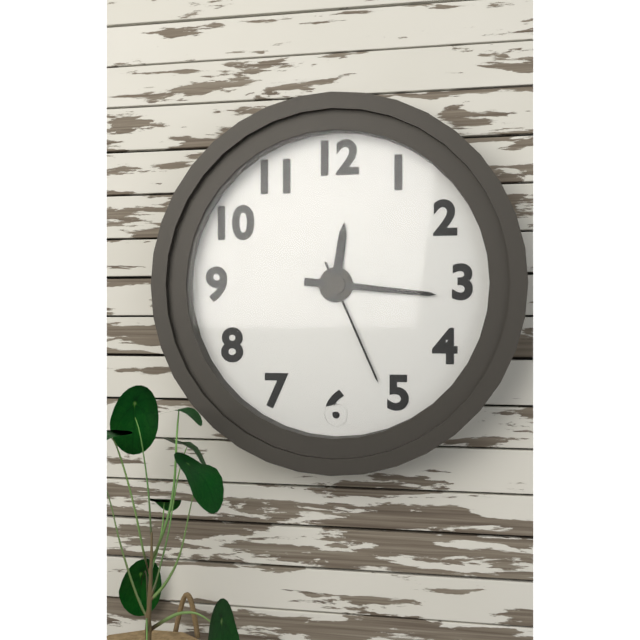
12:16:26
